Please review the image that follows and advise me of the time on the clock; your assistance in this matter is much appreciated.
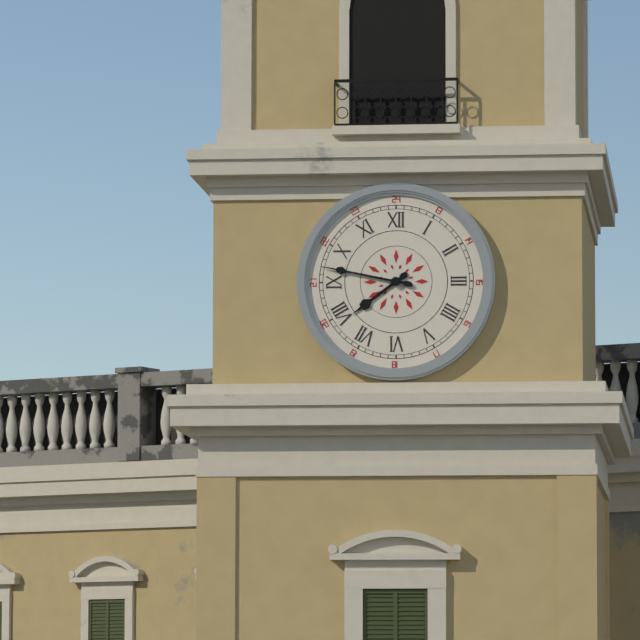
7:47
